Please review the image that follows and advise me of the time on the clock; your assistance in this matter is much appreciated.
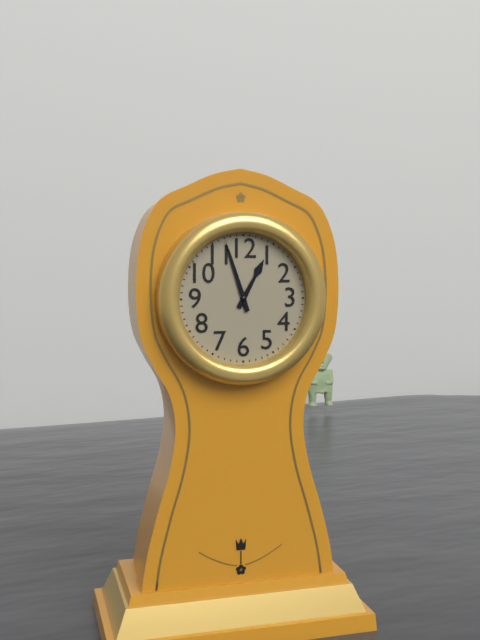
12:57
